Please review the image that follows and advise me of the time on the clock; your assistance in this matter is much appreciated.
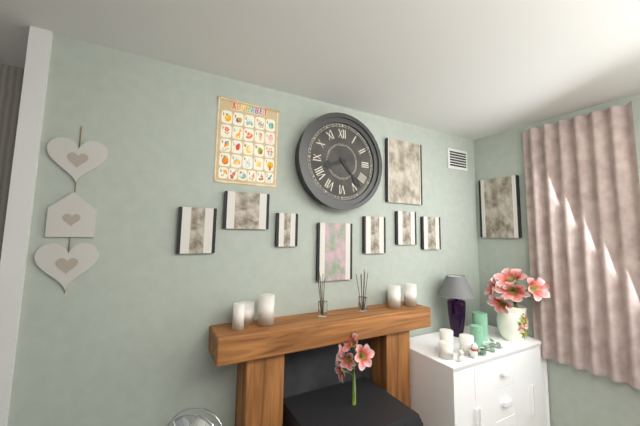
8:23
